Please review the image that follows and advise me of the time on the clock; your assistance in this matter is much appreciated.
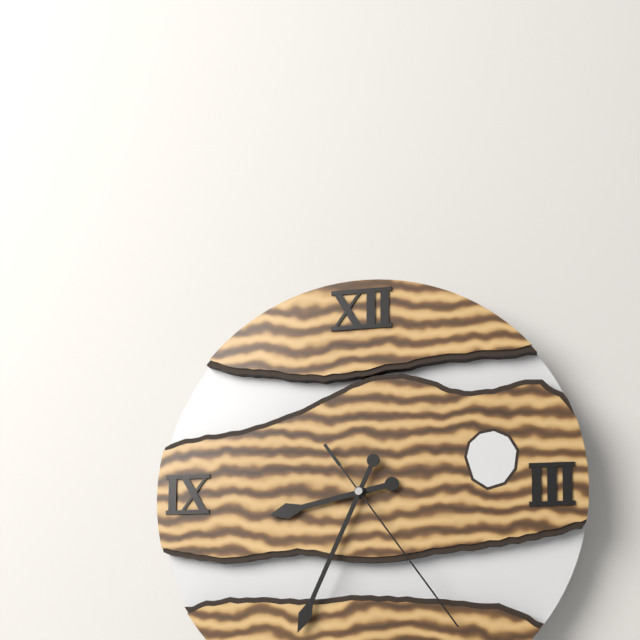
8:34:24
